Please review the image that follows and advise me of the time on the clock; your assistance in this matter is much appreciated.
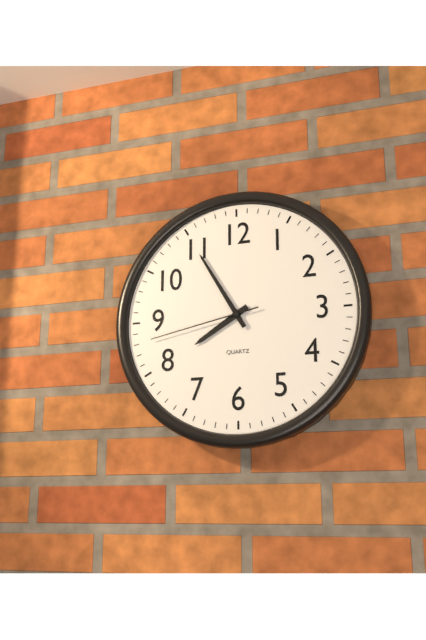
7:55:43
